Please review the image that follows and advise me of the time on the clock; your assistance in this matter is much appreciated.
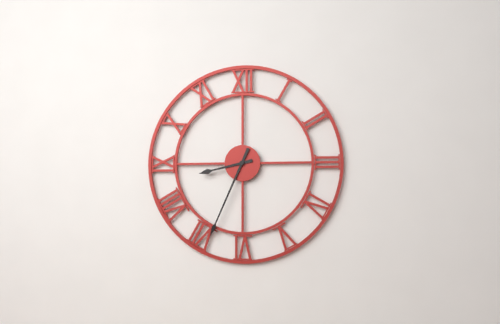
8:34
